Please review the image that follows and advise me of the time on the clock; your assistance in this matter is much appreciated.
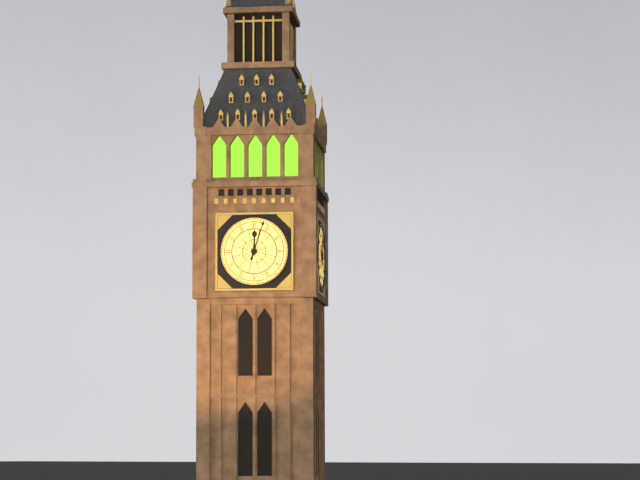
12:03
